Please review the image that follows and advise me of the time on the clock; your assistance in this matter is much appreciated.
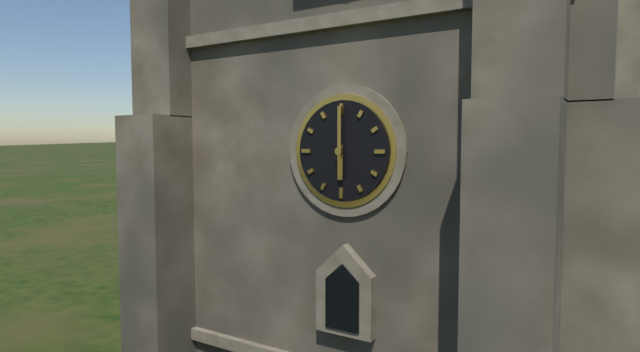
6:00
